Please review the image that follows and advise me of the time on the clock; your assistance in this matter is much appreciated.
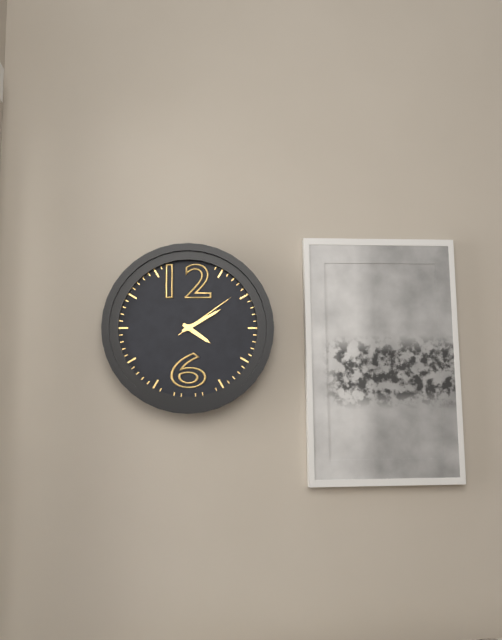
4:10:09
